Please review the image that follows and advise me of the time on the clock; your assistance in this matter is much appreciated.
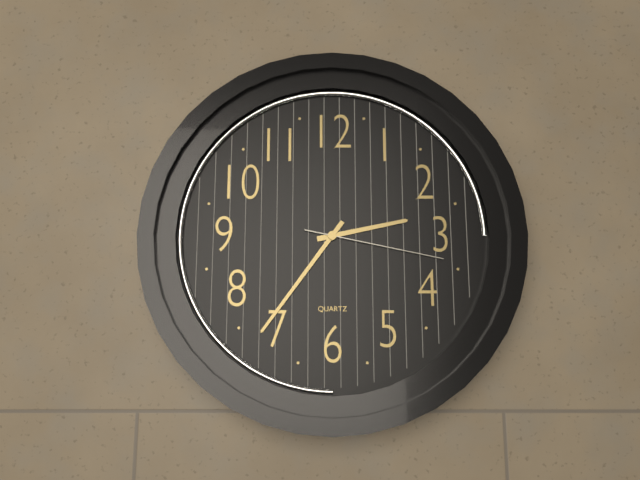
2:36:17
